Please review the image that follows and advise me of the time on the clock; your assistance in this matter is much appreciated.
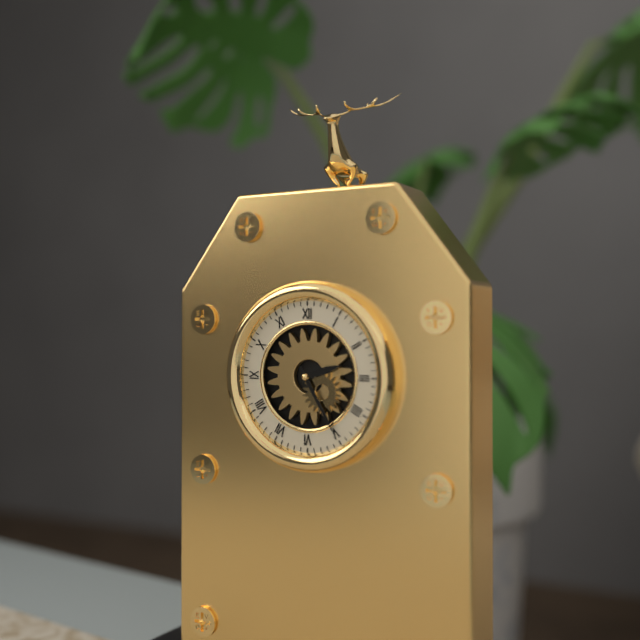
2:25
